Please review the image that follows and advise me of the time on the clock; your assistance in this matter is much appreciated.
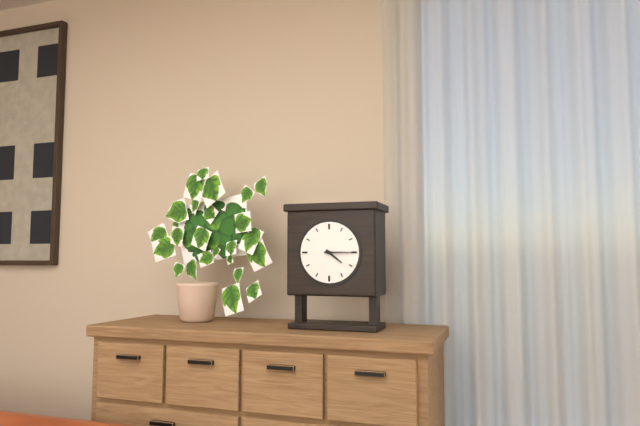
4:15
